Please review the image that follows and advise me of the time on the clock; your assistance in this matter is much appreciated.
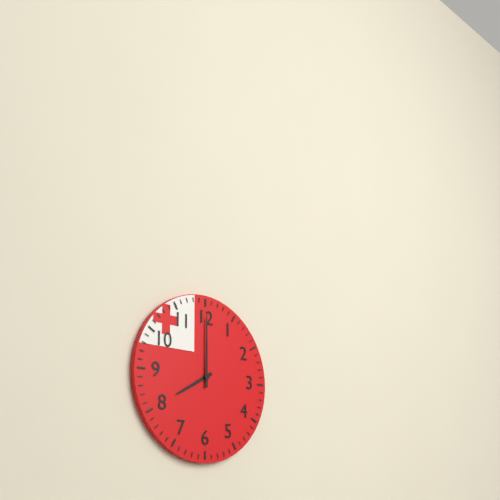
8:00
